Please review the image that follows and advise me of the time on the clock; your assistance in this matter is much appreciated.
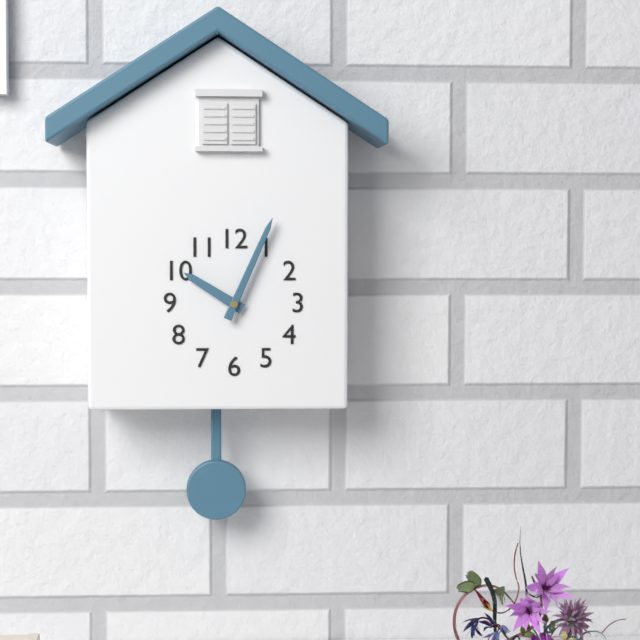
10:04
